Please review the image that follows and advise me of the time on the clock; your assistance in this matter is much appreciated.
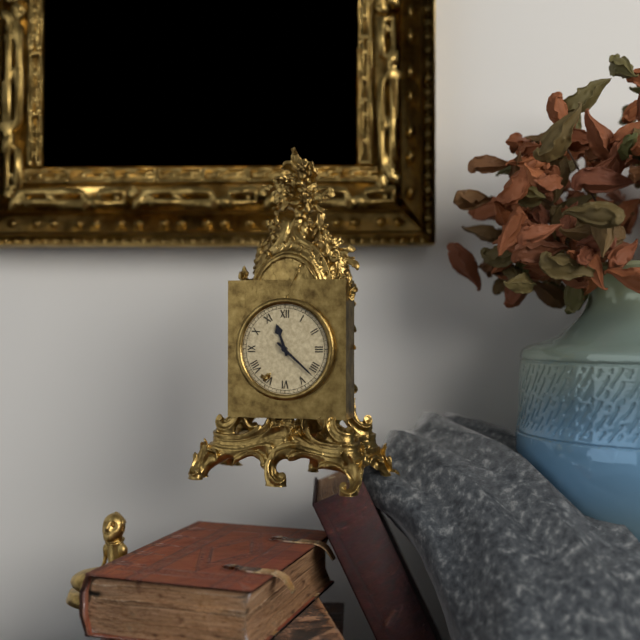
11:22
